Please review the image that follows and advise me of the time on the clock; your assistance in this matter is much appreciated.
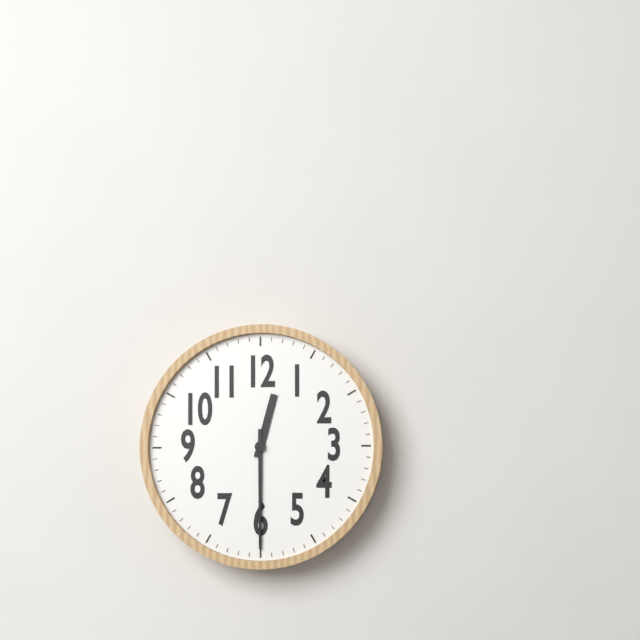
12:30
